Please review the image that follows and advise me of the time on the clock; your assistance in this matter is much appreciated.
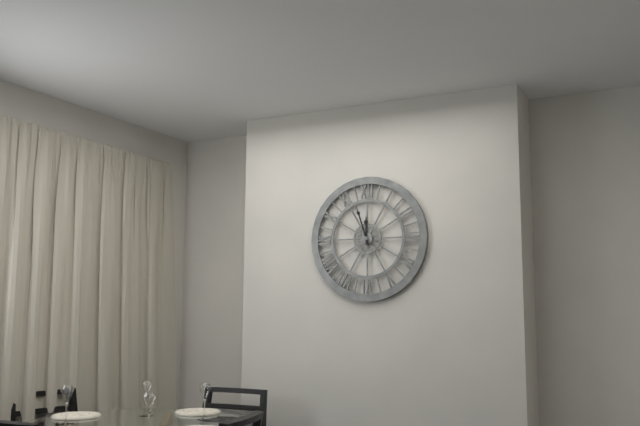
11:57
